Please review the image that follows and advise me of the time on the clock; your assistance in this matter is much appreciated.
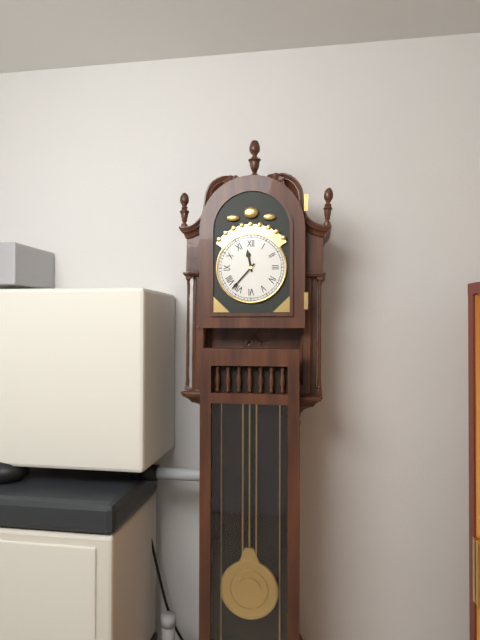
11:37
